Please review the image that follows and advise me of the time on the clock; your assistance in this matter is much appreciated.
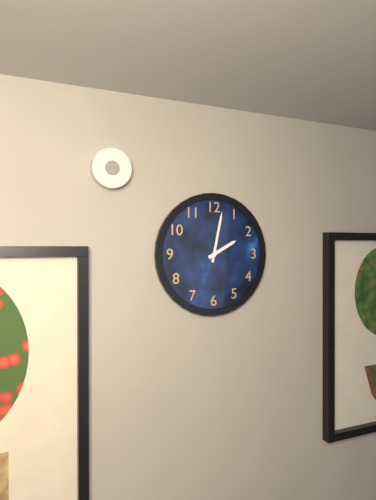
2:02
